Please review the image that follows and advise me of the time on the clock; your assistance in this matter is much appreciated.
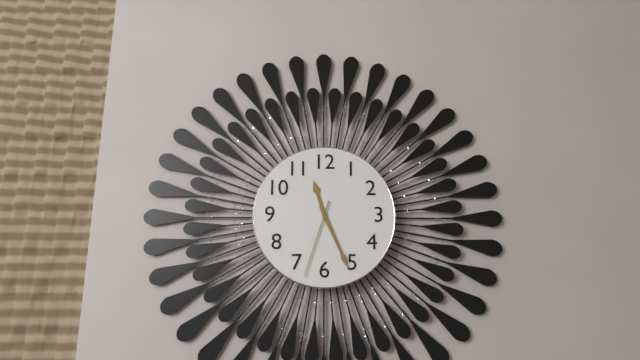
11:26:33
